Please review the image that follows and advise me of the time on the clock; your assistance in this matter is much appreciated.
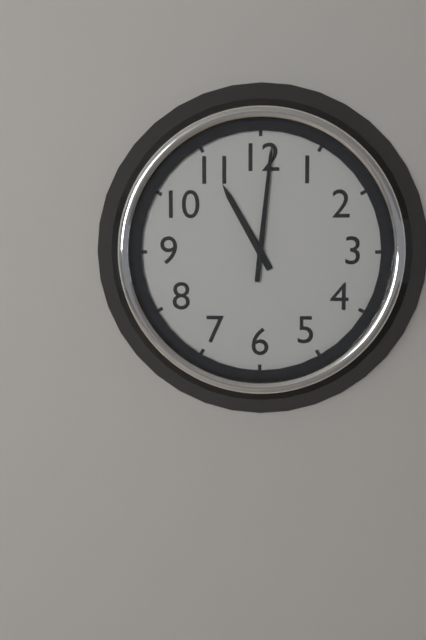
11:01
